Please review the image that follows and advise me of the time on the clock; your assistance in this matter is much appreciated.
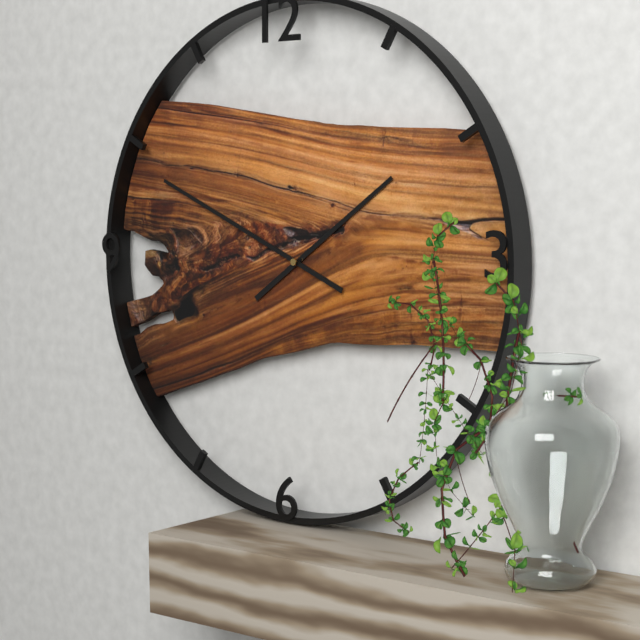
1:49
